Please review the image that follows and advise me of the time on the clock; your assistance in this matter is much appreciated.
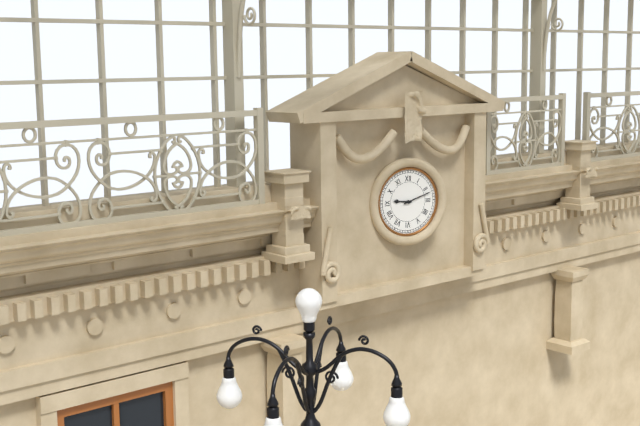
9:12
